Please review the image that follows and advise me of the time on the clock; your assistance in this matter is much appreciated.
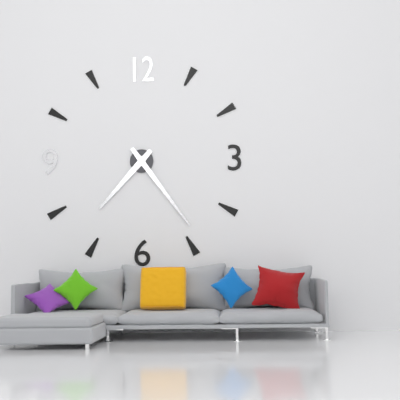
7:24
